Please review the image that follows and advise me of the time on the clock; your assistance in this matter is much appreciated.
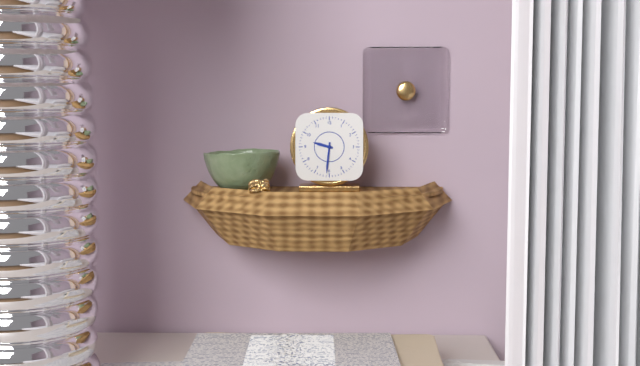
9:31
